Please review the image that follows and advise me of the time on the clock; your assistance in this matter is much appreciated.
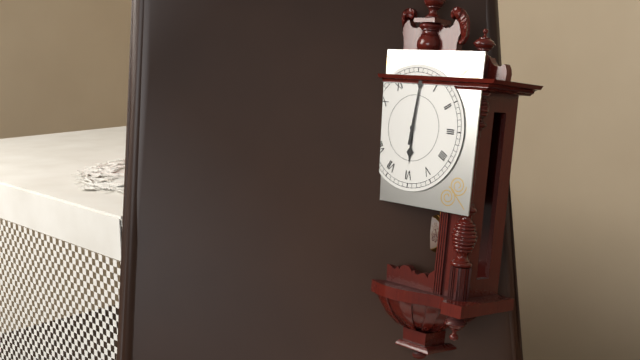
6:01
